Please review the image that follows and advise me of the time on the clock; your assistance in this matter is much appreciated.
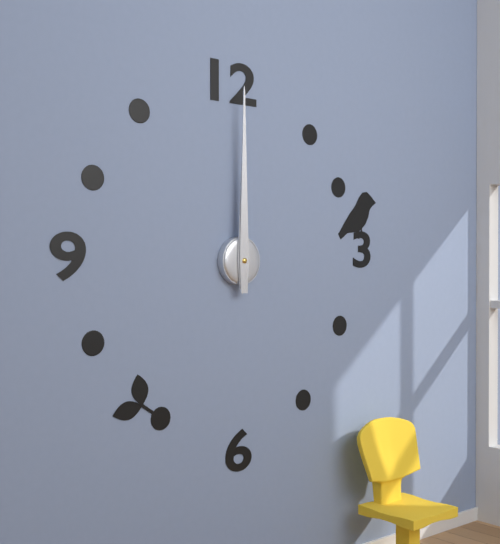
12:00
